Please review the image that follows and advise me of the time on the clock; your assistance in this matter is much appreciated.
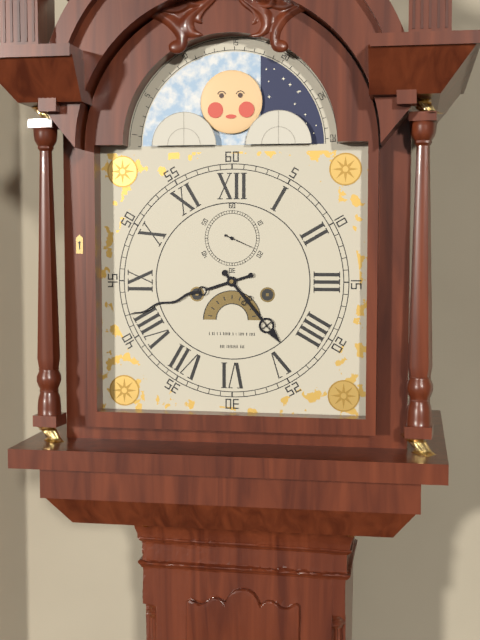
4:42
